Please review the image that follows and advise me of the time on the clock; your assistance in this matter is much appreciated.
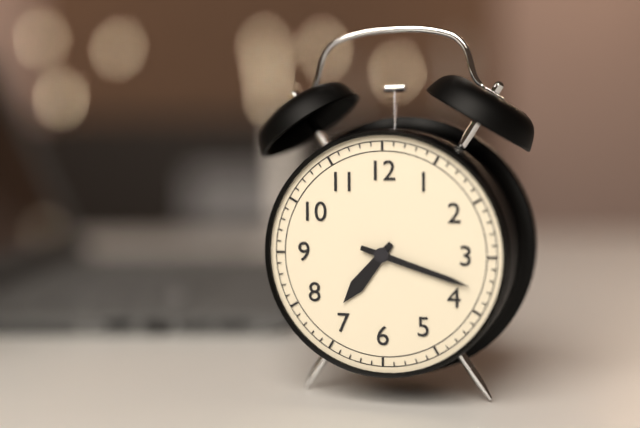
7:18
